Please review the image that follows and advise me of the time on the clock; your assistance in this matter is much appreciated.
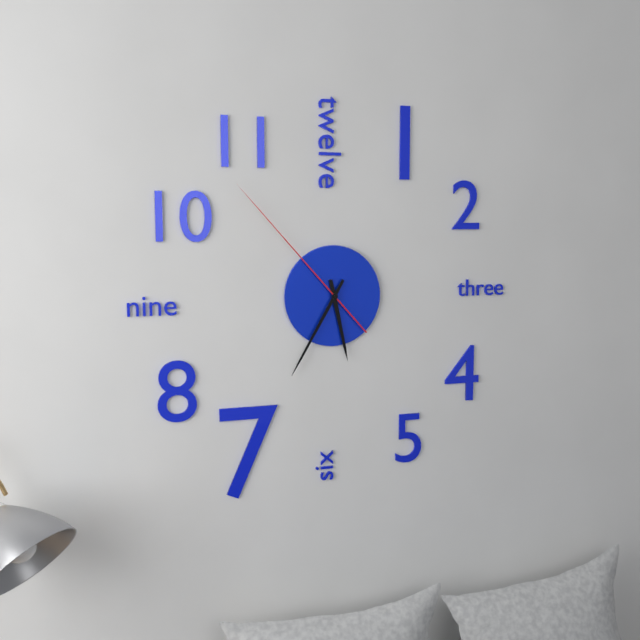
5:35:53
